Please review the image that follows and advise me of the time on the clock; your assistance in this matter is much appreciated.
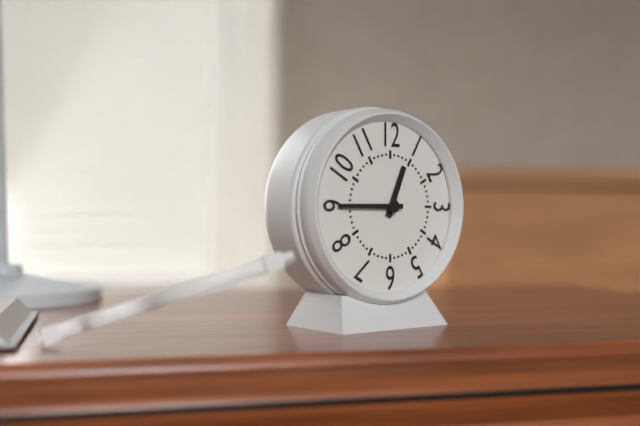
12:45
